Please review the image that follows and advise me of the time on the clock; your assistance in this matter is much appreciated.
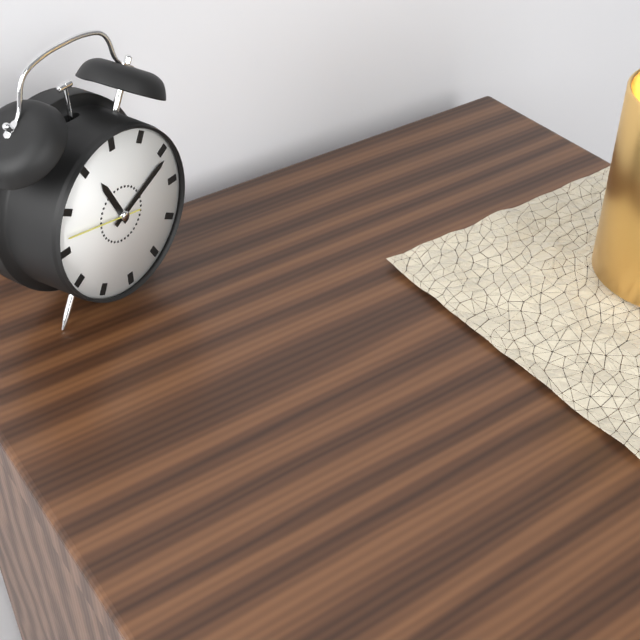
11:11:47
